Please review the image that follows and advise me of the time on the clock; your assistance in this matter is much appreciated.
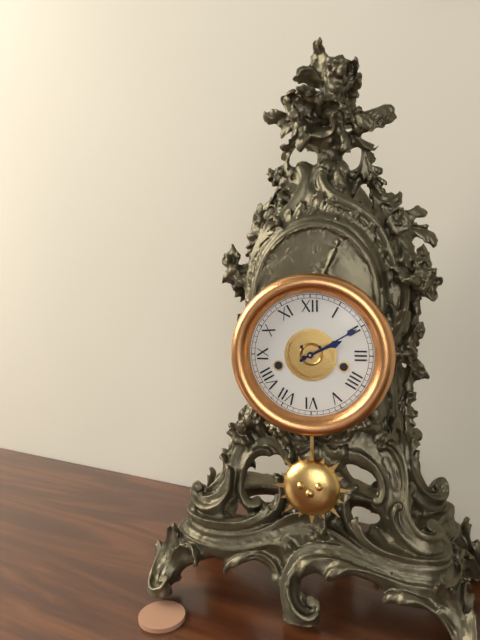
2:10
